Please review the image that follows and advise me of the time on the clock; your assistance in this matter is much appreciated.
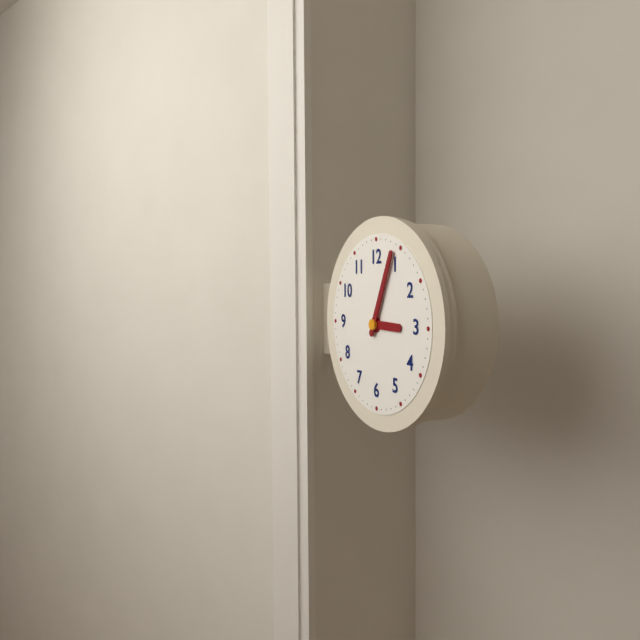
3:04
